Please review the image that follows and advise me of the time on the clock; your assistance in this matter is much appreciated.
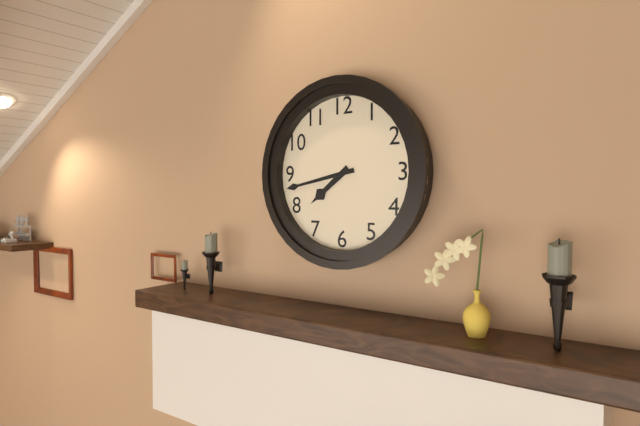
7:43
